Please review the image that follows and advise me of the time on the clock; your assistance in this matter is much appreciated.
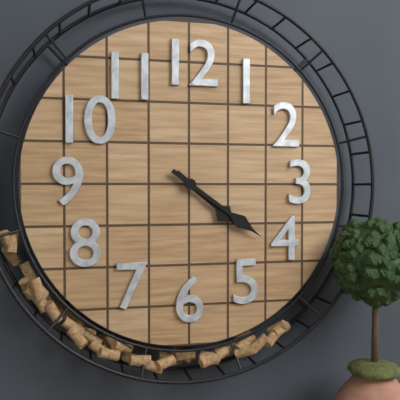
4:21
